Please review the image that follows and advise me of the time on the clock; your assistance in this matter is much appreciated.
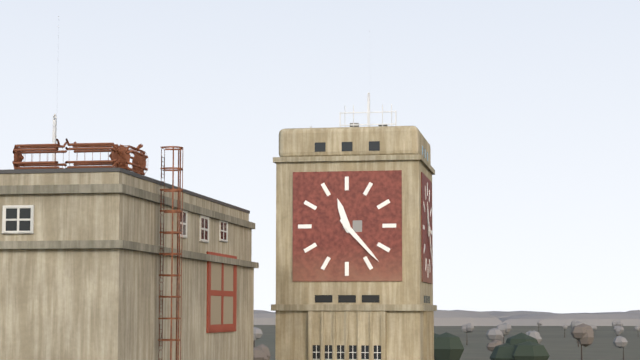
11:23
